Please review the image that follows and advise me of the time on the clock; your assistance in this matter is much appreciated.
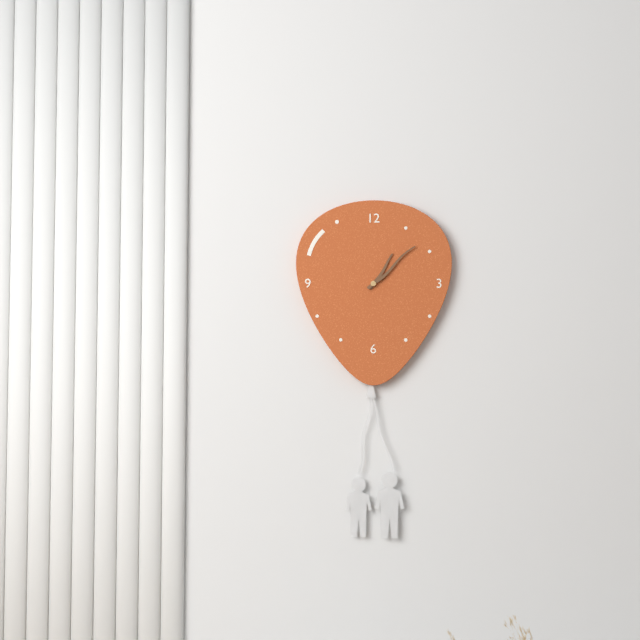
1:08
